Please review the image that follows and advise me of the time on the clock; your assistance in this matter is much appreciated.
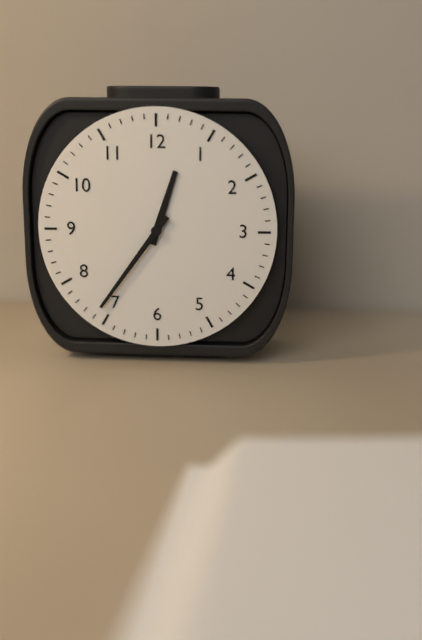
12:36
